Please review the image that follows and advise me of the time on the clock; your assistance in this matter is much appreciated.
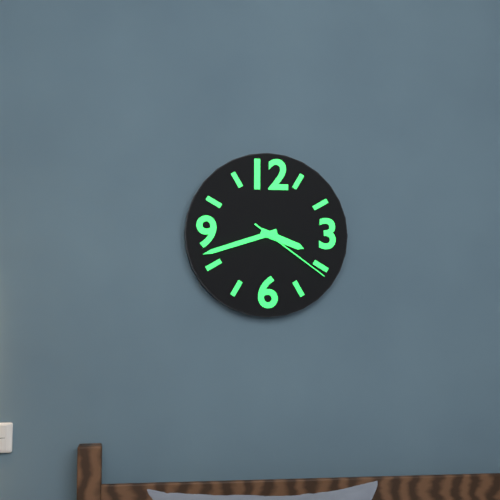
3:42:21
